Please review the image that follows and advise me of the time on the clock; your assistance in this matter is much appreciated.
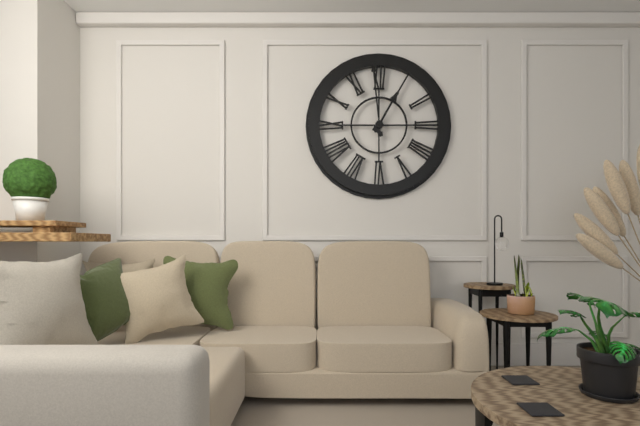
12:59
